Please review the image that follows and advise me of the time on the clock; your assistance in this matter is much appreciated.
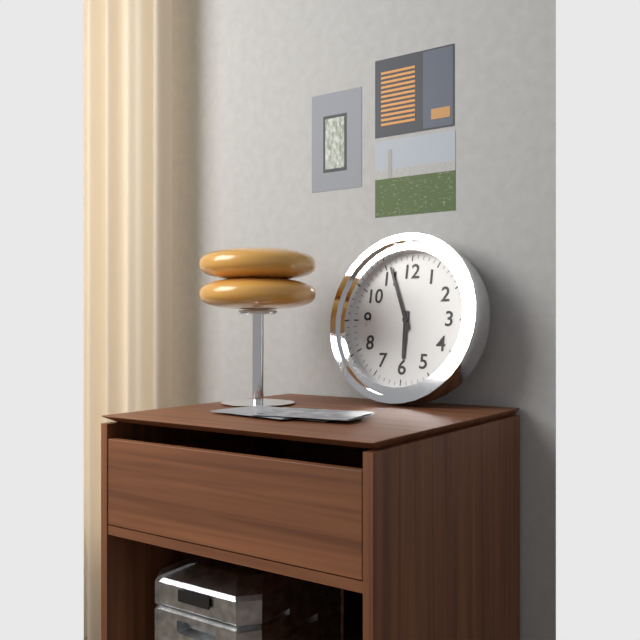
5:56
